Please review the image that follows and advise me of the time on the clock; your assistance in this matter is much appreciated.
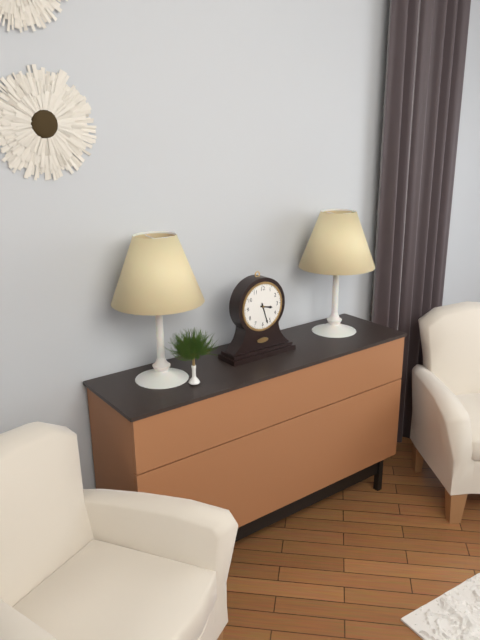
3:27
